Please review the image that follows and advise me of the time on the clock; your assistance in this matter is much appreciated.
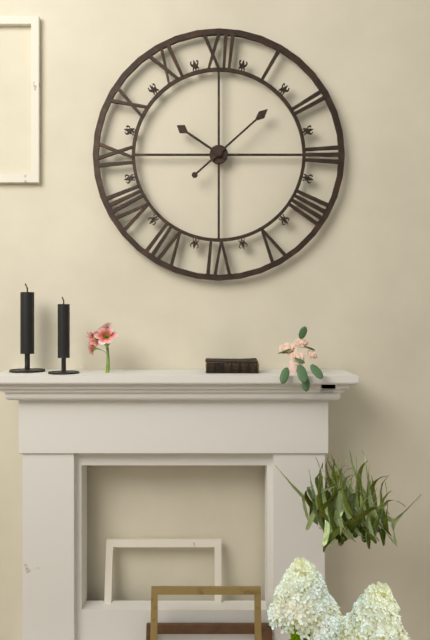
10:08
